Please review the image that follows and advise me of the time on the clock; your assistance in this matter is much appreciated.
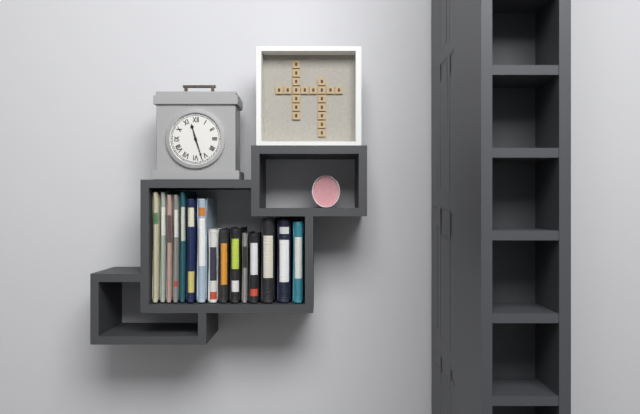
11:27
